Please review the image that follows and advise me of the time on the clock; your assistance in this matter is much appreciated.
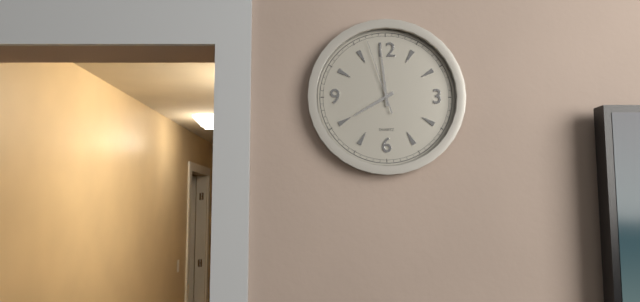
7:59:57
